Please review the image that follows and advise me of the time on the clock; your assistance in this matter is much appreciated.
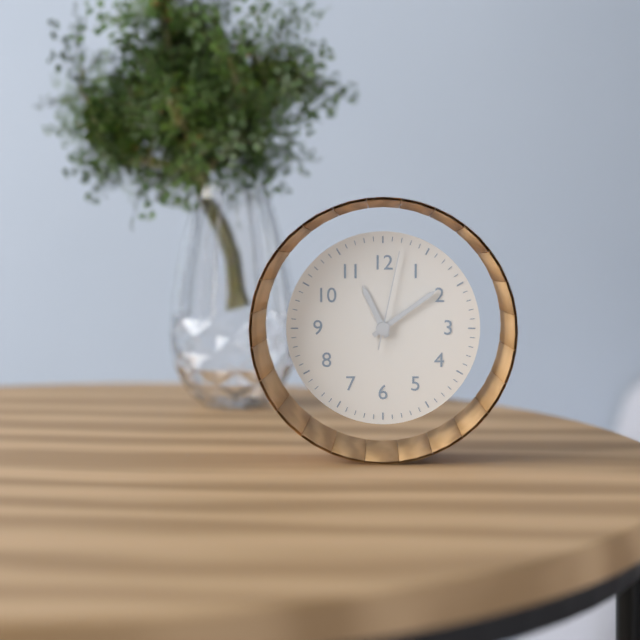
11:09:02
